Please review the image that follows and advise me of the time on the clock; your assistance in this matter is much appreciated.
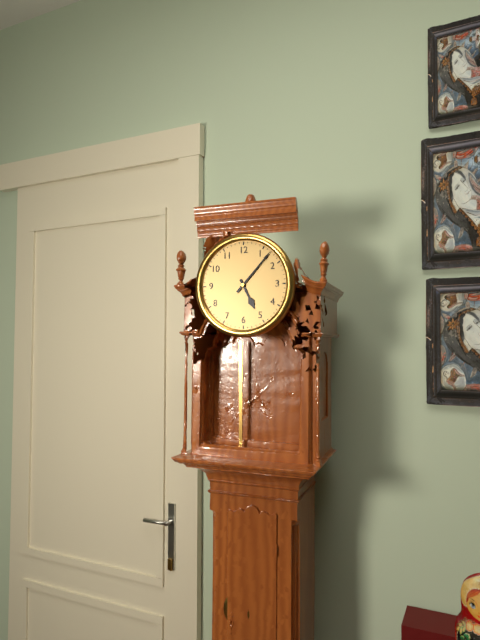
5:07
